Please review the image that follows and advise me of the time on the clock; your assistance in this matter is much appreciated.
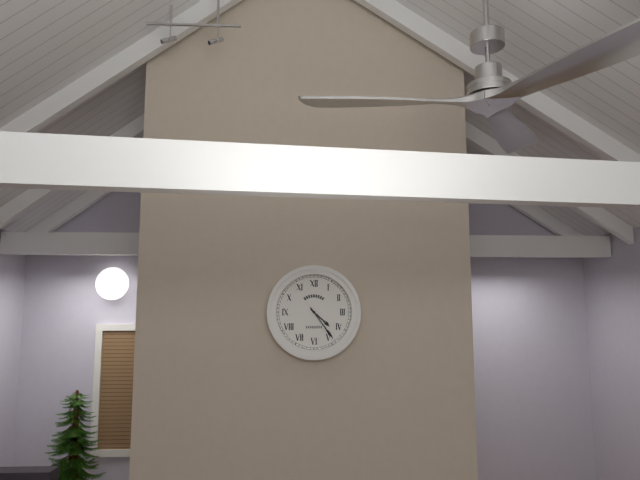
4:24
